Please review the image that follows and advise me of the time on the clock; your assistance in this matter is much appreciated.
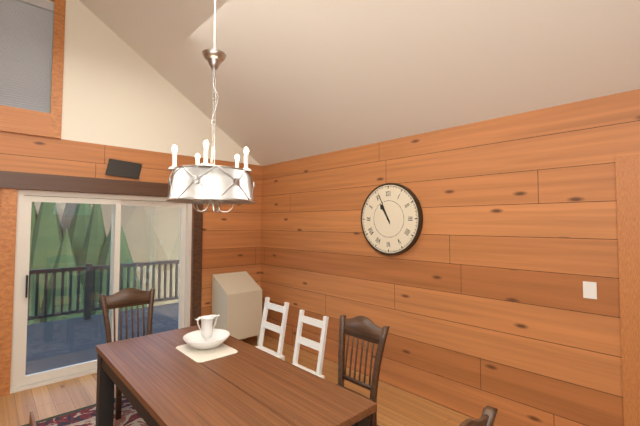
10:56
